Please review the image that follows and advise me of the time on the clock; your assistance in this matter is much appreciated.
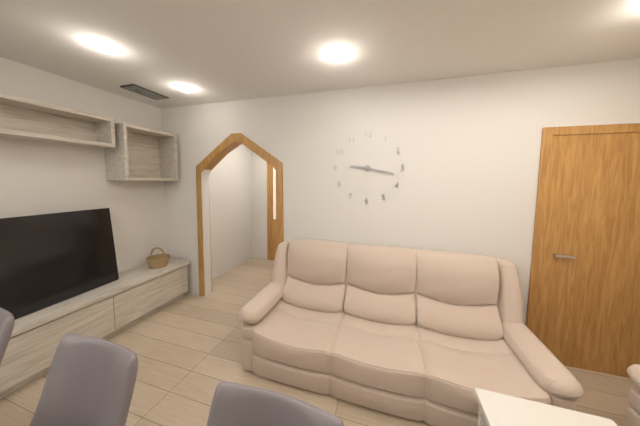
9:17
